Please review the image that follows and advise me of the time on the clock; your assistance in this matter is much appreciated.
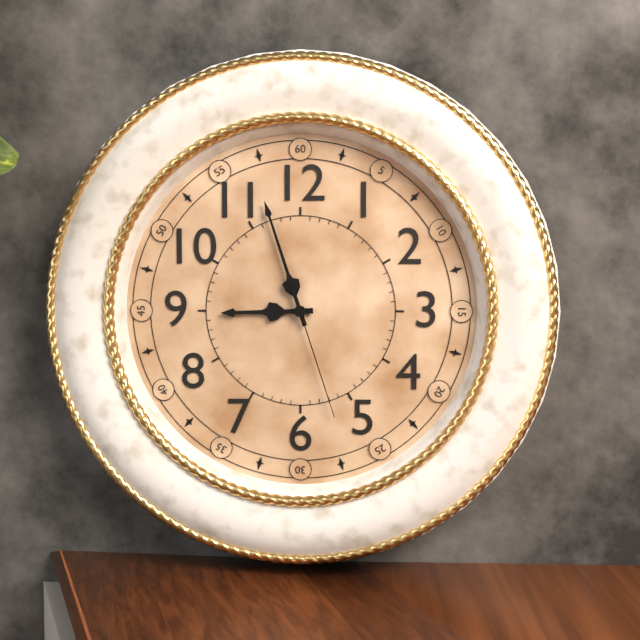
8:57:27
